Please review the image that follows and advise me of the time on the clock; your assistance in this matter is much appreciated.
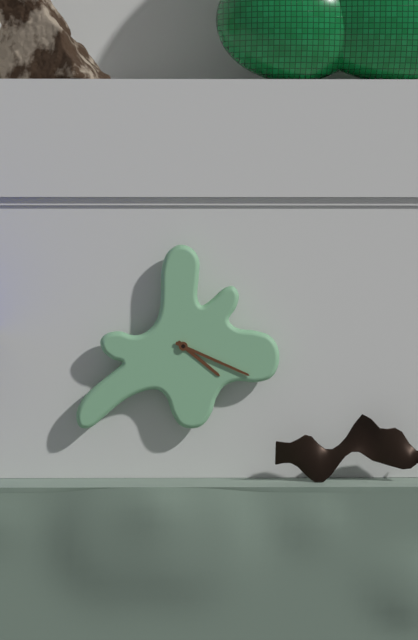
4:19
